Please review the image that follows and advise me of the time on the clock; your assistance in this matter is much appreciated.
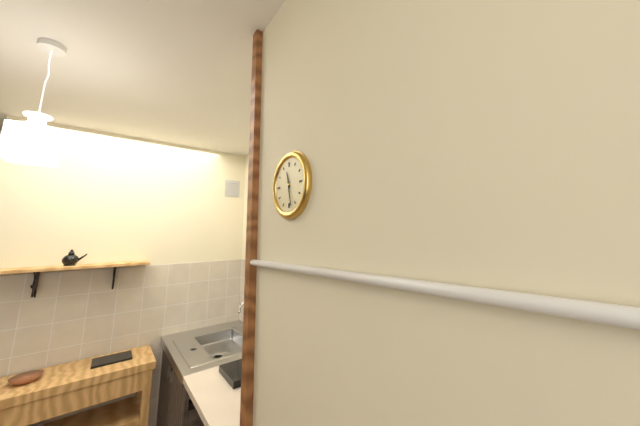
11:28
